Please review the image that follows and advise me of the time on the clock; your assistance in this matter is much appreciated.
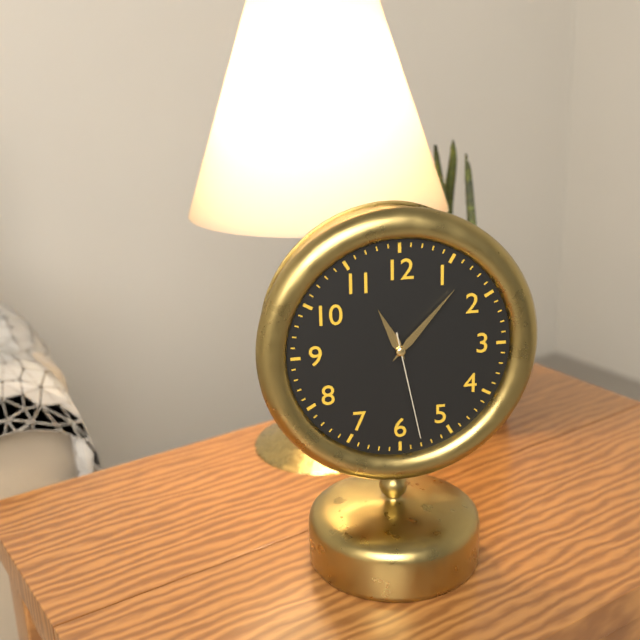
11:07:28
